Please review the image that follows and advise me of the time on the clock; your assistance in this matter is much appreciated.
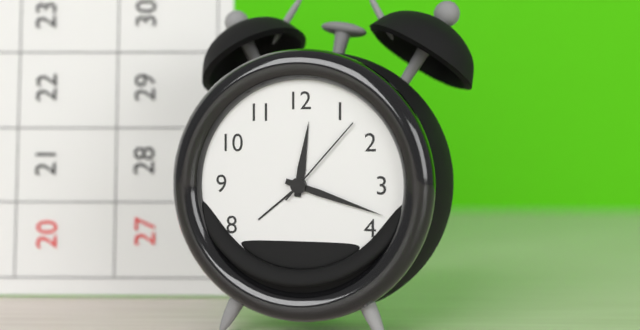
12:18:07
